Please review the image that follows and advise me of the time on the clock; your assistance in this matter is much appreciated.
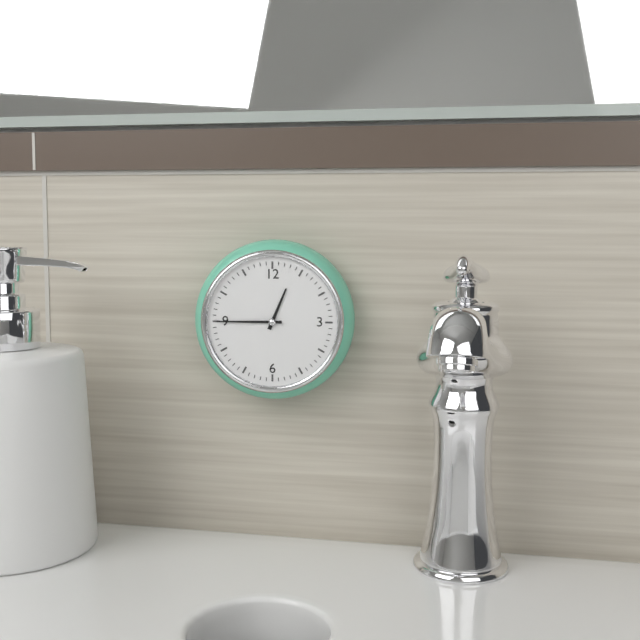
12:45
